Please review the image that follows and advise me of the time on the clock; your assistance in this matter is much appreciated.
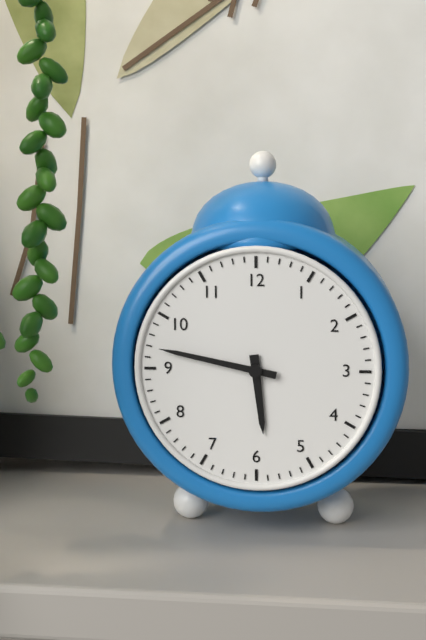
5:47
